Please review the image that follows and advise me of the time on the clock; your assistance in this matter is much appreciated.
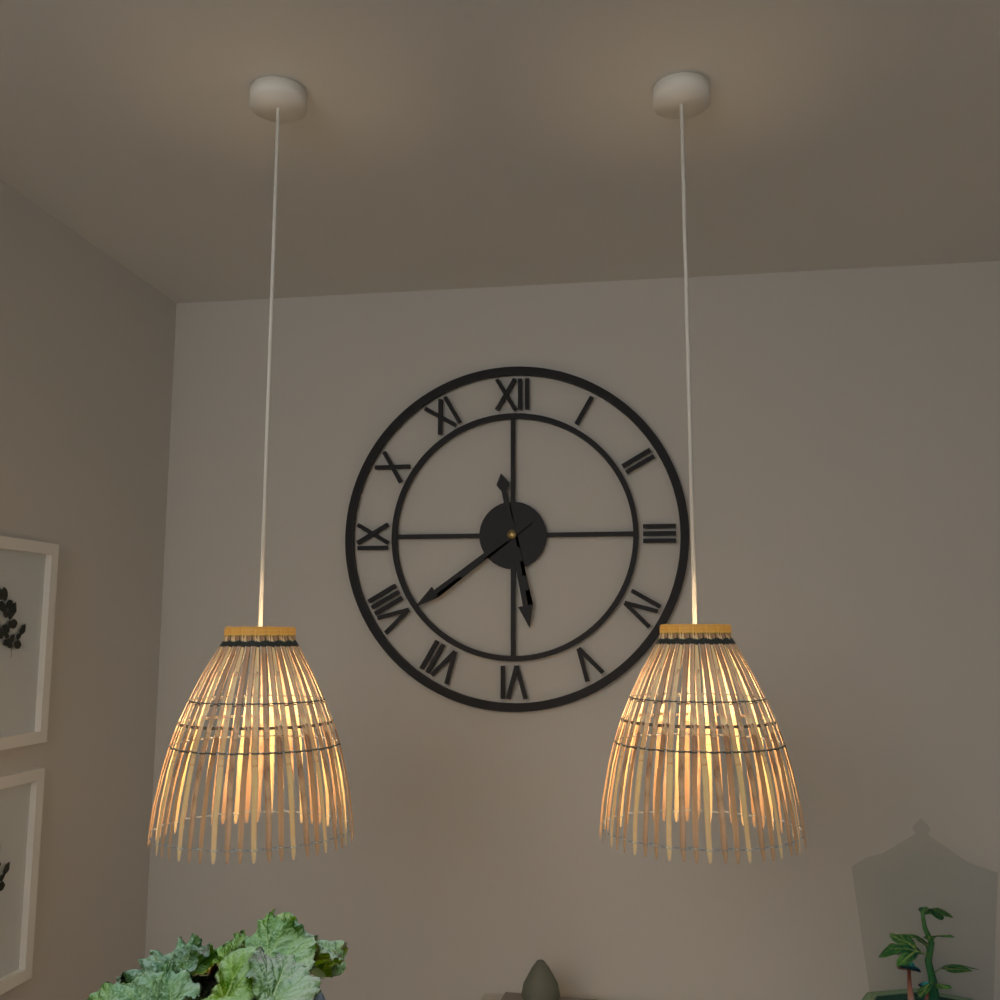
5:39
